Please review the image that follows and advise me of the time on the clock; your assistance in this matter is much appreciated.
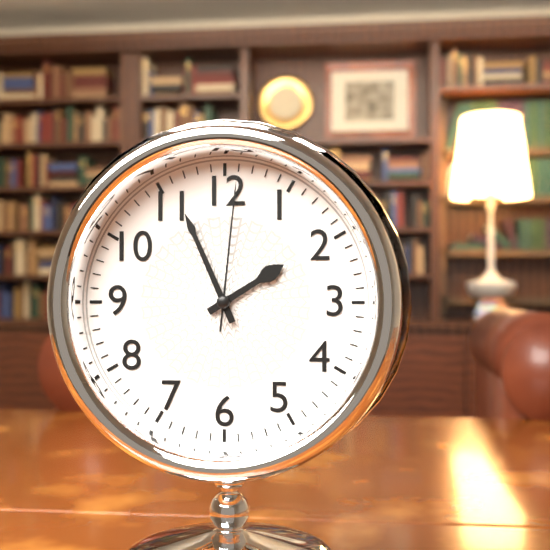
1:56:01
